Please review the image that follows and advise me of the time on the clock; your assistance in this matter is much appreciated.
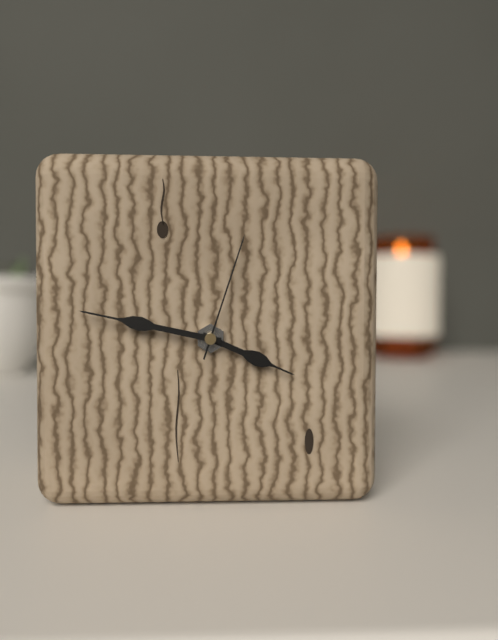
3:47:03
